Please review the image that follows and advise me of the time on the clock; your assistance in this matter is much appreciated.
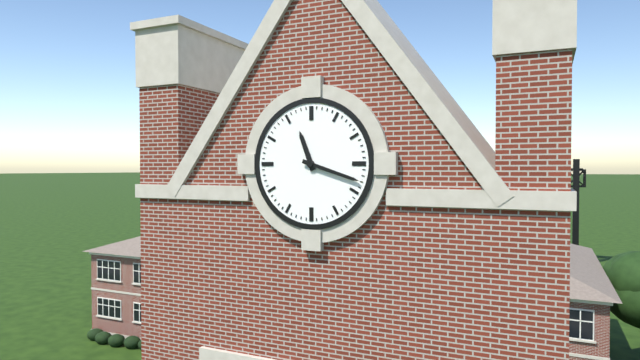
11:18
